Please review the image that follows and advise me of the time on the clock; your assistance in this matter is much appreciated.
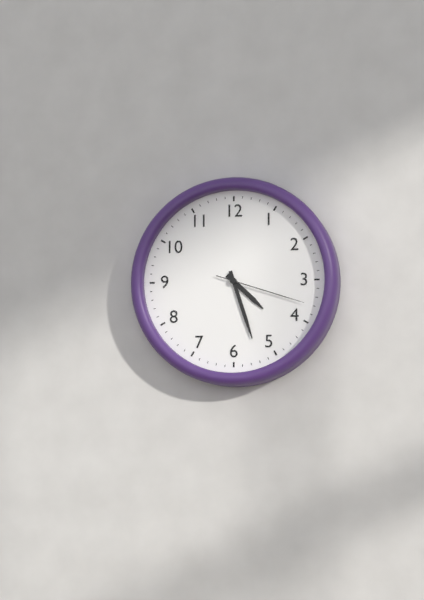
4:27:18
